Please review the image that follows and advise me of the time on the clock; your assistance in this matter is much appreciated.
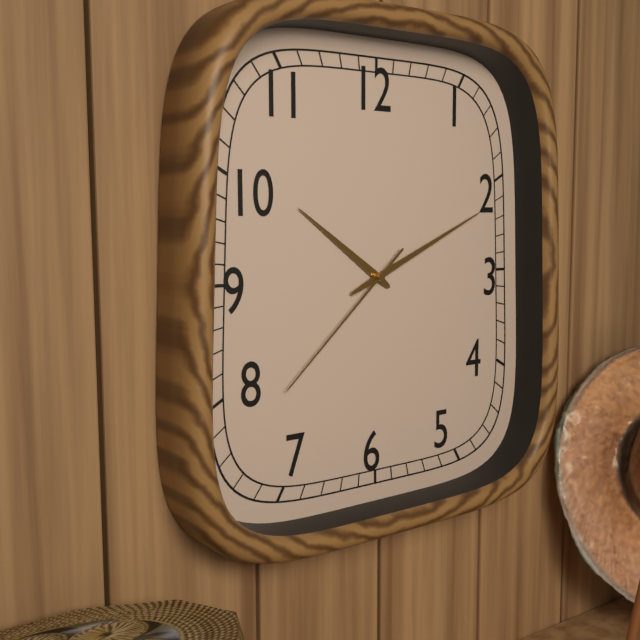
10:11:38
